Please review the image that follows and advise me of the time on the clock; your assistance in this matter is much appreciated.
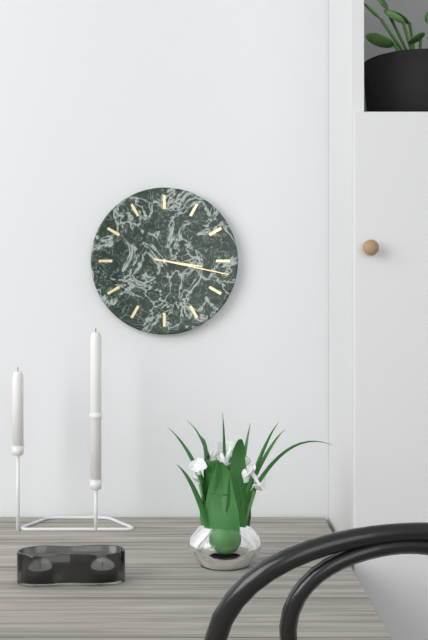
3:17
